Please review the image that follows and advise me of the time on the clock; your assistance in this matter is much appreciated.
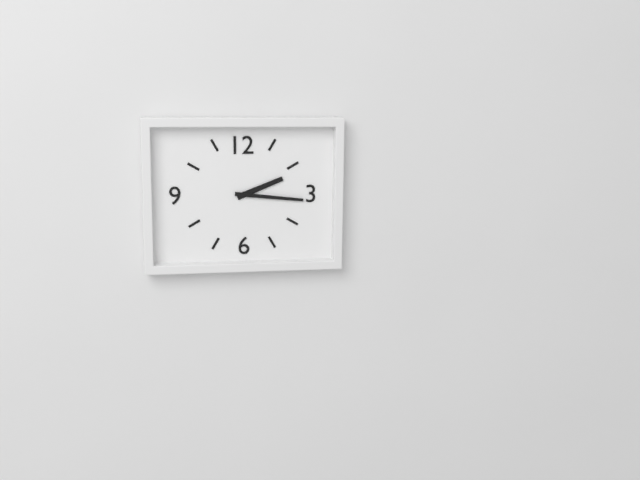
2:16
